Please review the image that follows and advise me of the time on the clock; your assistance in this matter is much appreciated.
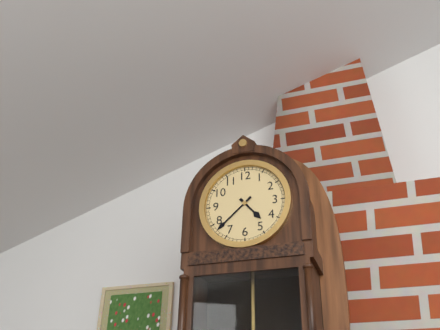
4:38
